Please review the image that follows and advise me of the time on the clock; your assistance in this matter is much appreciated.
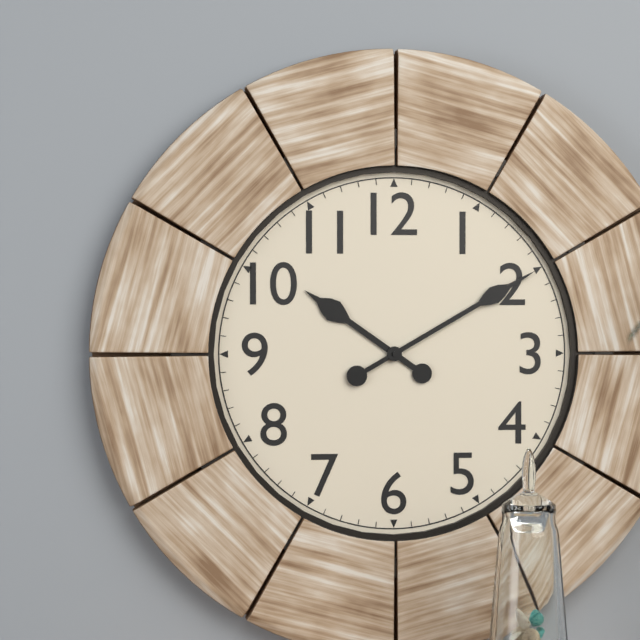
10:10
